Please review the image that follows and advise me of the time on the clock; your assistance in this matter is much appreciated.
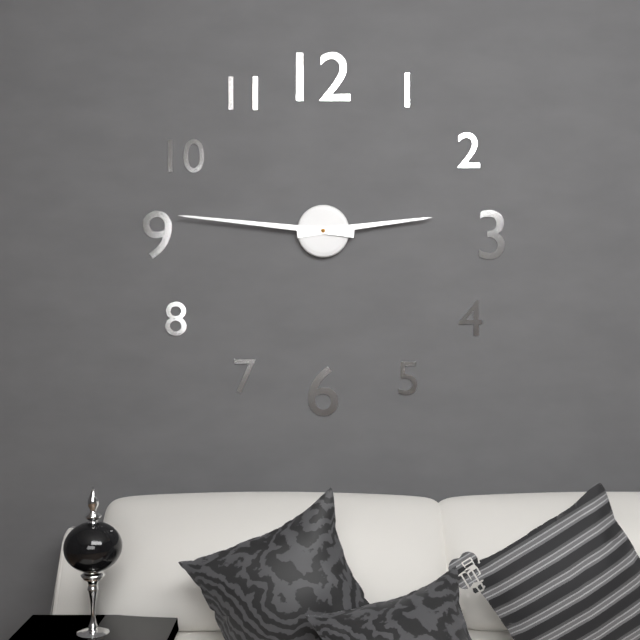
2:46
